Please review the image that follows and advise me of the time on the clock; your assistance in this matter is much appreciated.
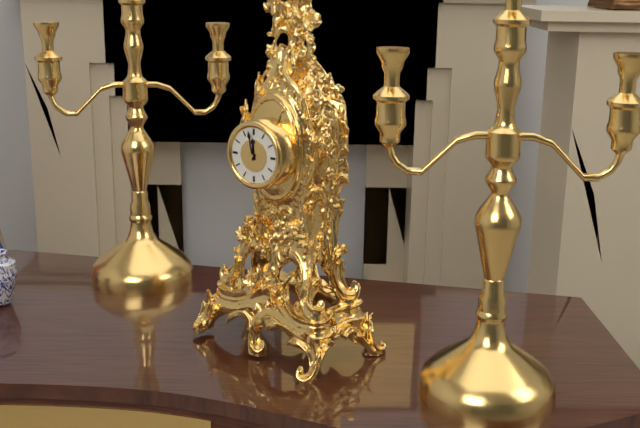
11:58
